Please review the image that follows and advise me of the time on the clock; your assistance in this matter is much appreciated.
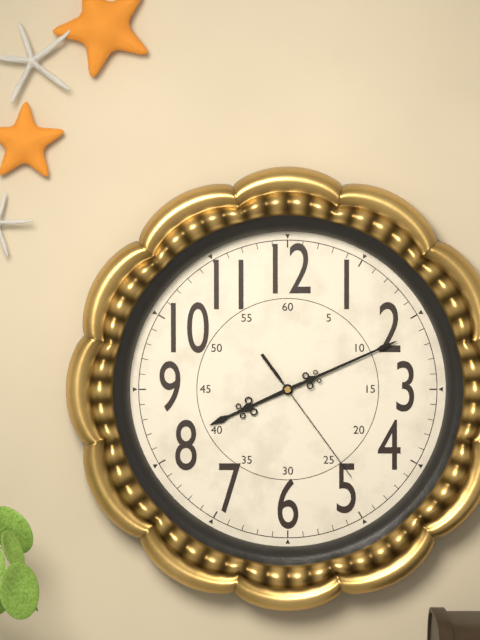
8:11:24
